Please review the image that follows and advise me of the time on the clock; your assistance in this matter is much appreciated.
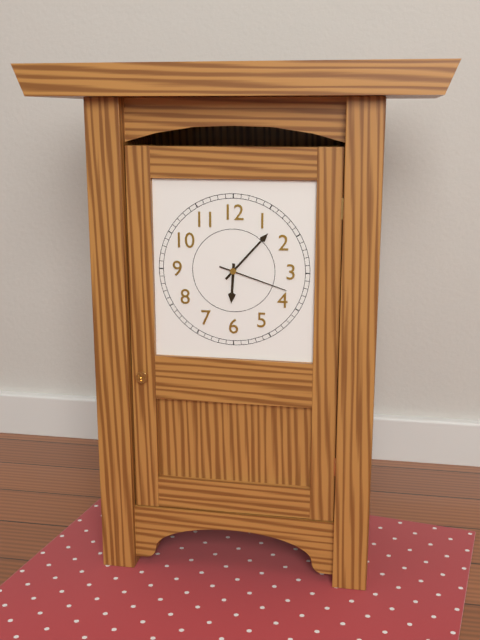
6:07:18
